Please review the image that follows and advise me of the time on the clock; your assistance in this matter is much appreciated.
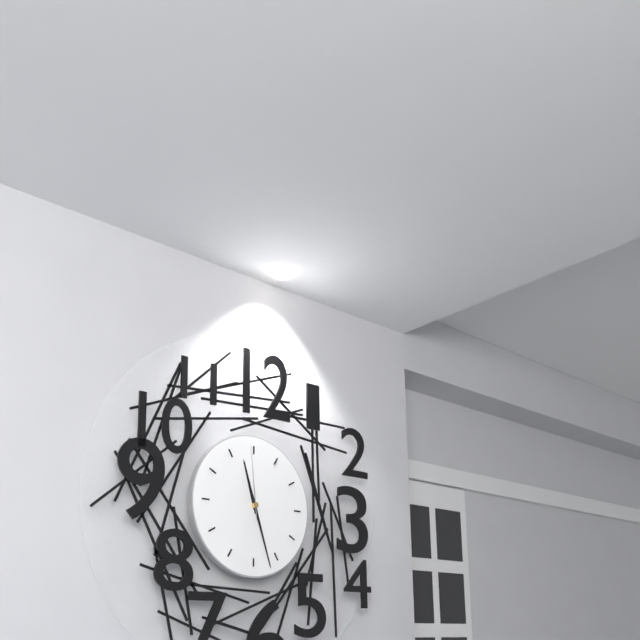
11:27:59
